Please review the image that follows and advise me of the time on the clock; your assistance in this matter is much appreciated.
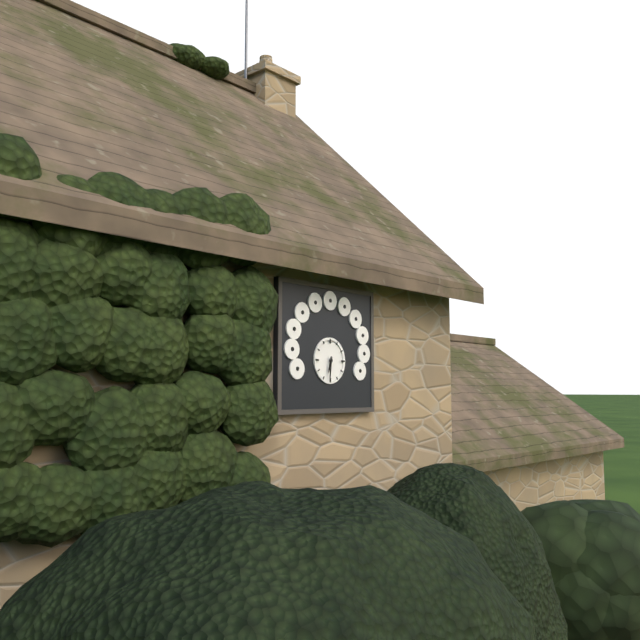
6:31
